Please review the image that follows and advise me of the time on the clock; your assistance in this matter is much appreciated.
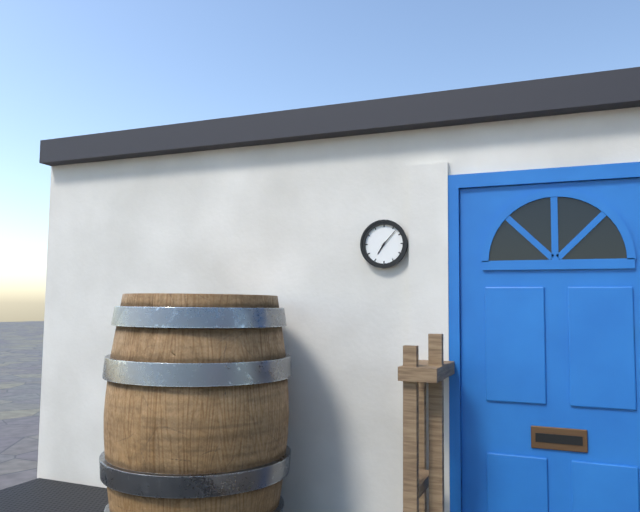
7:07
